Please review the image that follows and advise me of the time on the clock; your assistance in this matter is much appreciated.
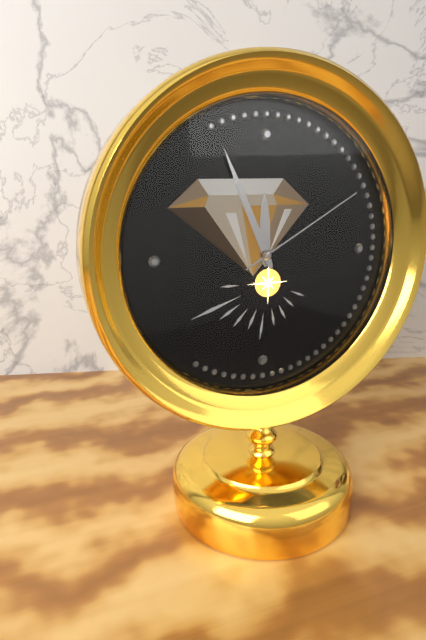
11:56:10
